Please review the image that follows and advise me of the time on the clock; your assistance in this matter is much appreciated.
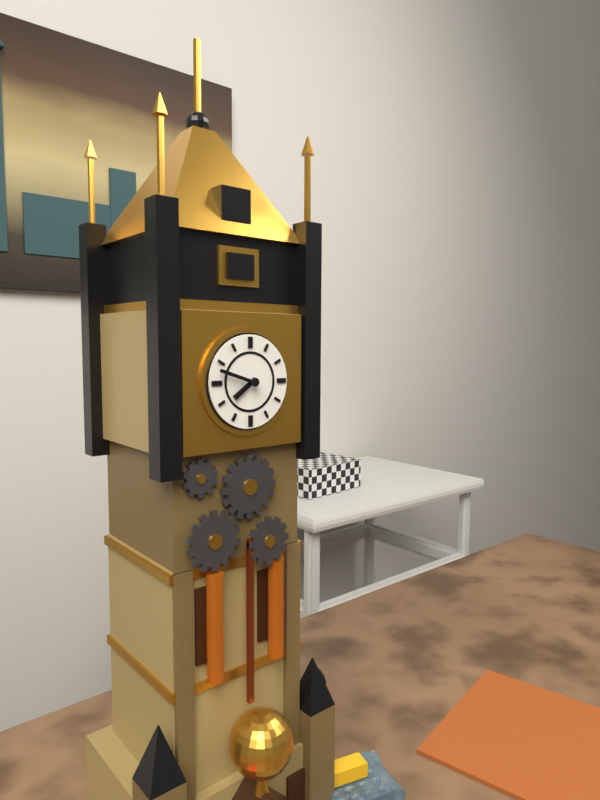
7:48
